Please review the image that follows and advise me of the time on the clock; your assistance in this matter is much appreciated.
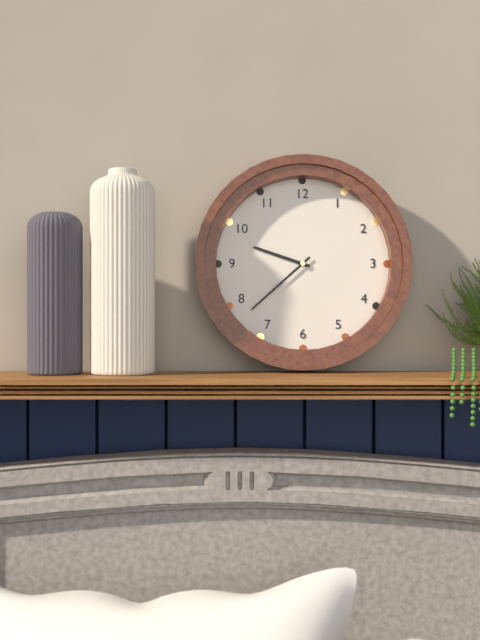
9:38
